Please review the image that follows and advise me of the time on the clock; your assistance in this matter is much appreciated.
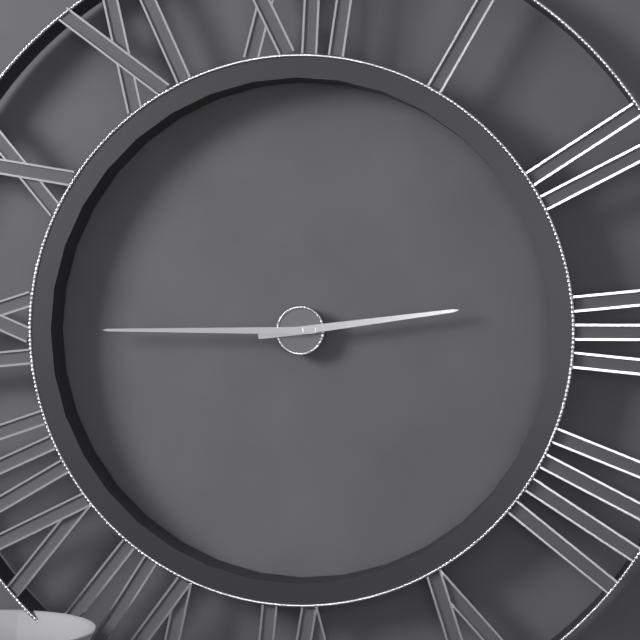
2:45
